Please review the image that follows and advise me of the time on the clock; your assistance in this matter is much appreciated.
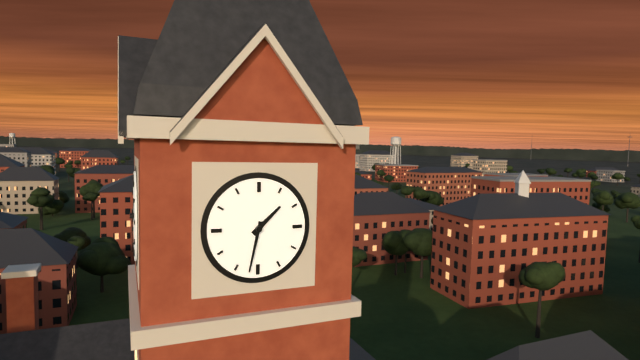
1:32
